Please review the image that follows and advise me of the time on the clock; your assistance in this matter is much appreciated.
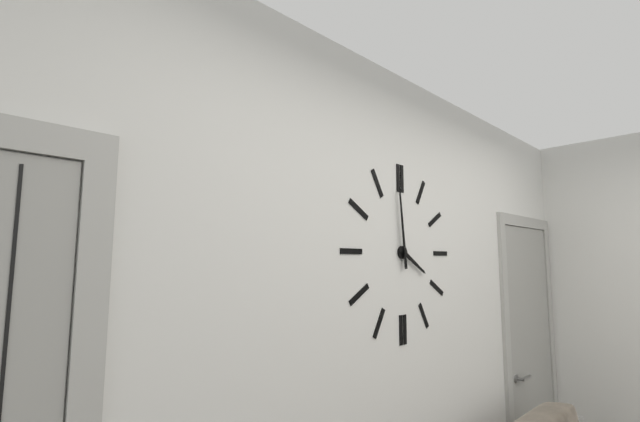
3:59
